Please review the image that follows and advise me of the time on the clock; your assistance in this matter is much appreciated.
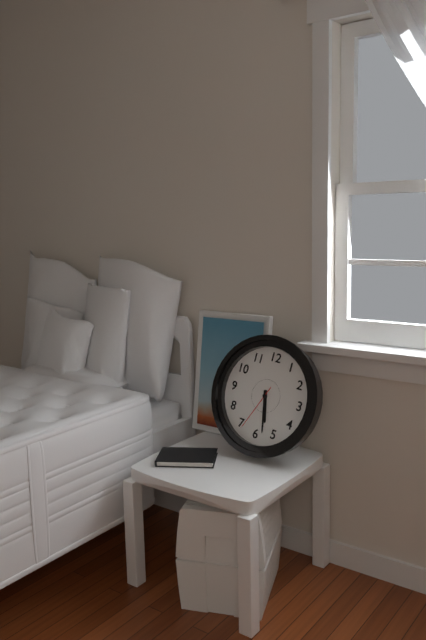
5:28:34
